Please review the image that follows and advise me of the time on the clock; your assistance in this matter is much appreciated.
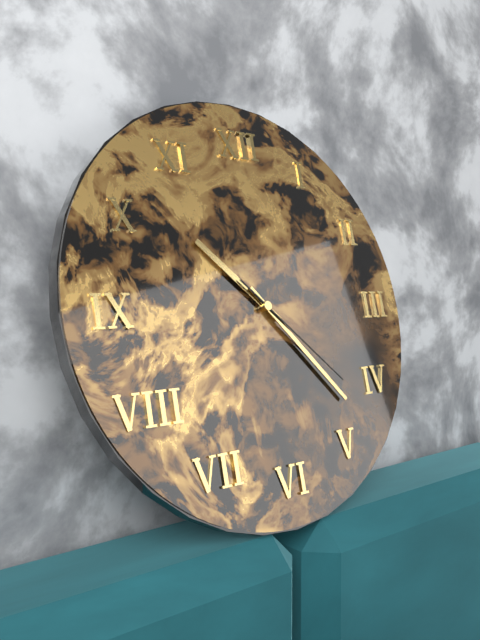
10:23:22
